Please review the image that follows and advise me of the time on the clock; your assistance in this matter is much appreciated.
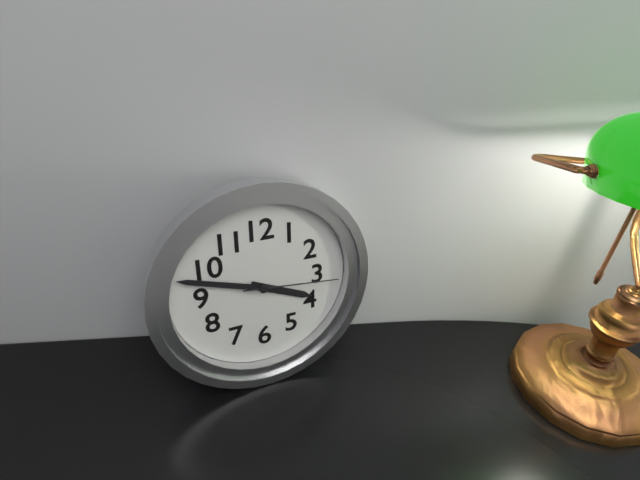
3:48:16
